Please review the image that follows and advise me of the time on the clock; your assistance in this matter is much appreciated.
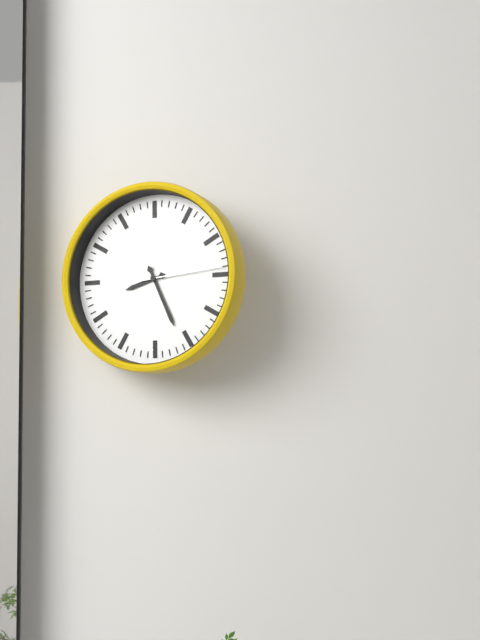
8:26:14
